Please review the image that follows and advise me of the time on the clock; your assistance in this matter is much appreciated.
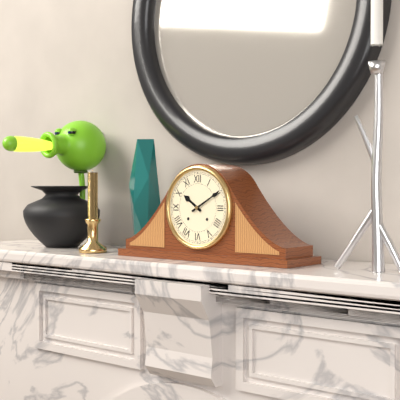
10:10
